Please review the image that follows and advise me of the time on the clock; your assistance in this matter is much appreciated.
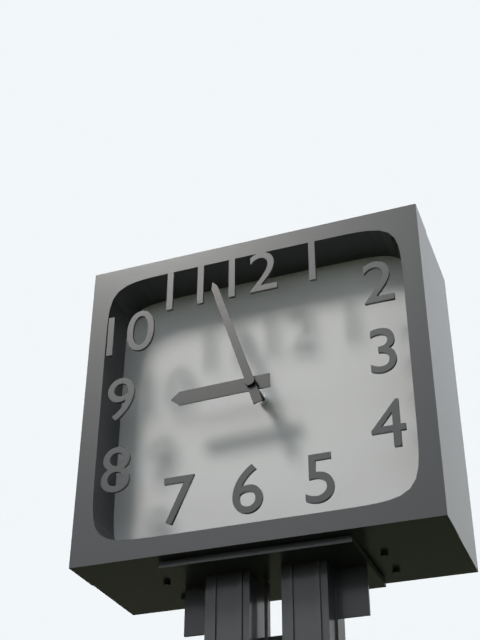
8:57
